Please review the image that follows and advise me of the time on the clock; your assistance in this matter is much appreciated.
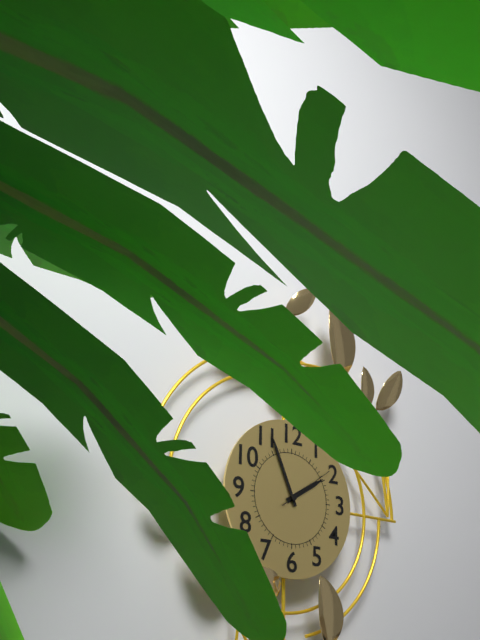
1:56:09
